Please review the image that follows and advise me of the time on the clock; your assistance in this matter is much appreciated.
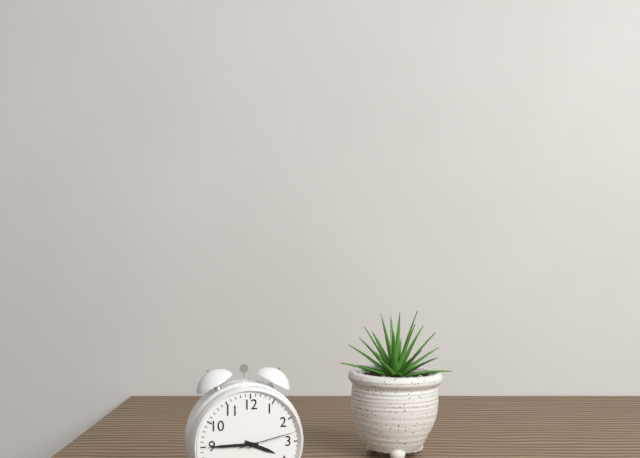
3:45:13
